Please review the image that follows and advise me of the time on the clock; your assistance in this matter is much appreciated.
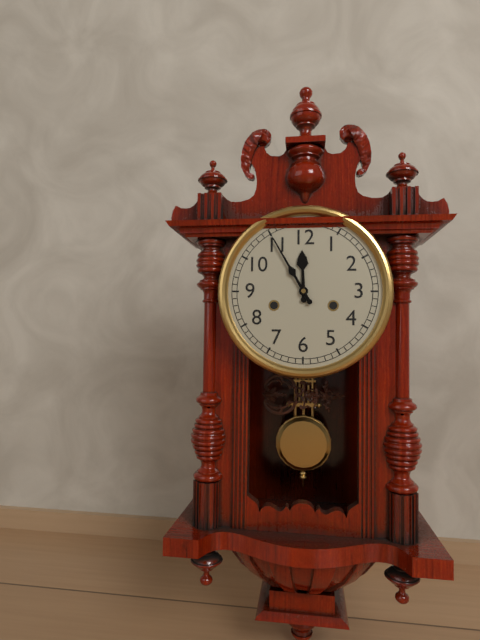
11:55
